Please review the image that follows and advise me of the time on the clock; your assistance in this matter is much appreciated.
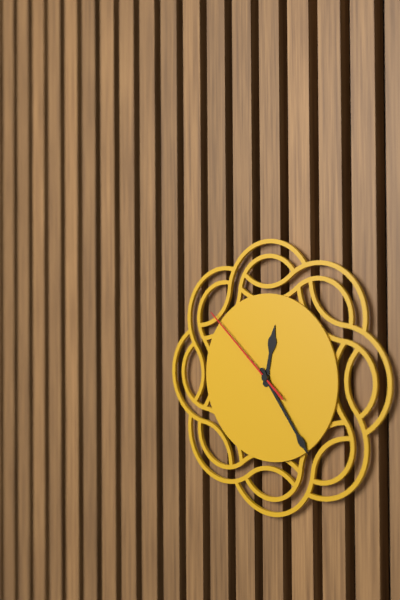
12:24:52
